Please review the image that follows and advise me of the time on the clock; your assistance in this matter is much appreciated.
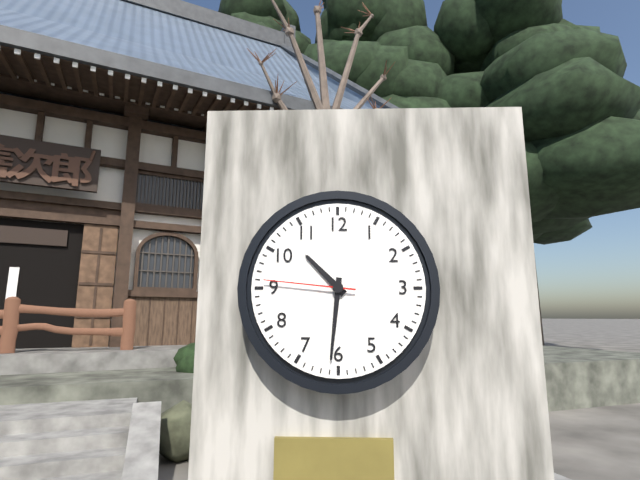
10:31:46
